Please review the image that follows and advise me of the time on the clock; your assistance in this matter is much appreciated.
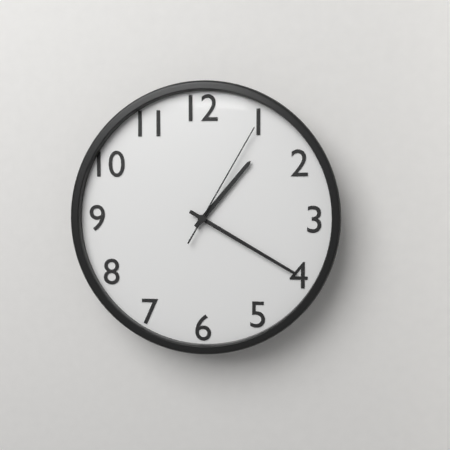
1:20:05
